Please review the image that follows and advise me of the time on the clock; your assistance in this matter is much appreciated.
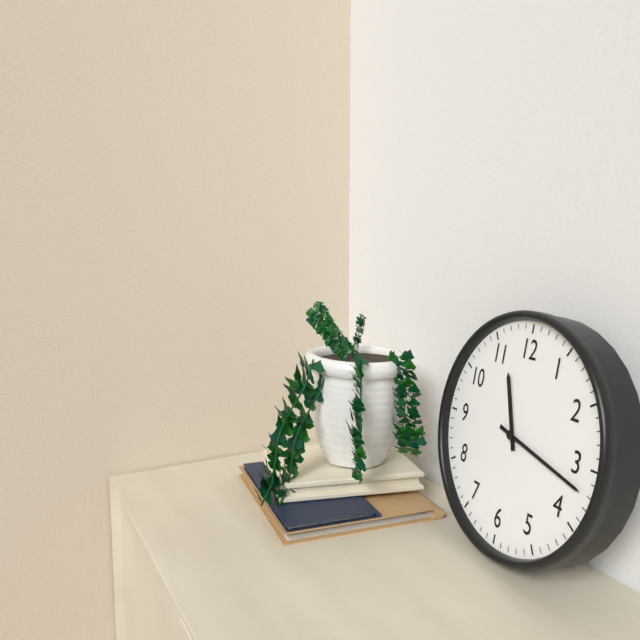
11:17
